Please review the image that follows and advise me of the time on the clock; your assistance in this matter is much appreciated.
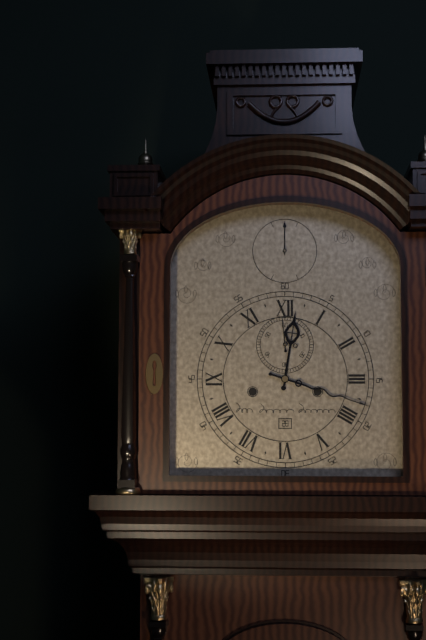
12:18
